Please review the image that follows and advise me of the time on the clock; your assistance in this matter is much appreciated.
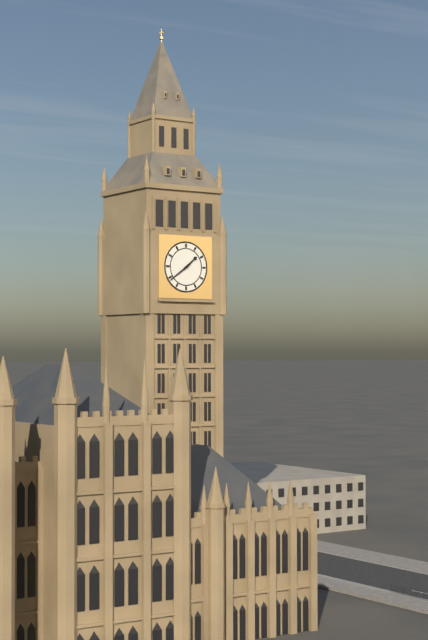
1:39
